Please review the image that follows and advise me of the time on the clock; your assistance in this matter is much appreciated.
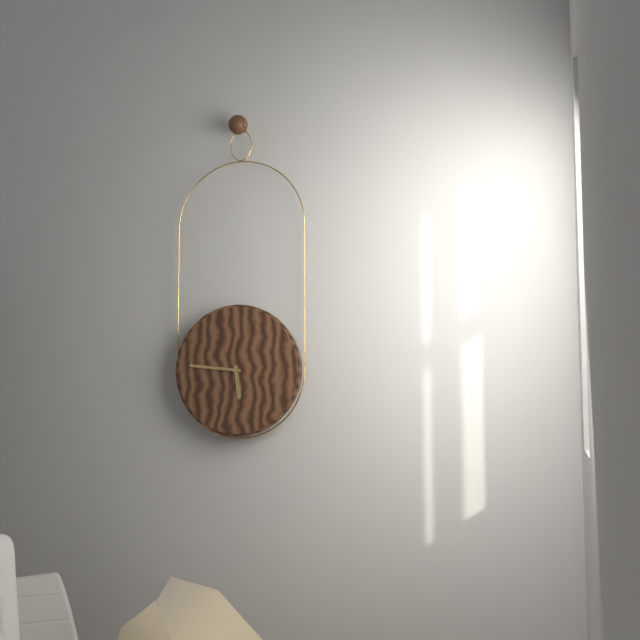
5:46
